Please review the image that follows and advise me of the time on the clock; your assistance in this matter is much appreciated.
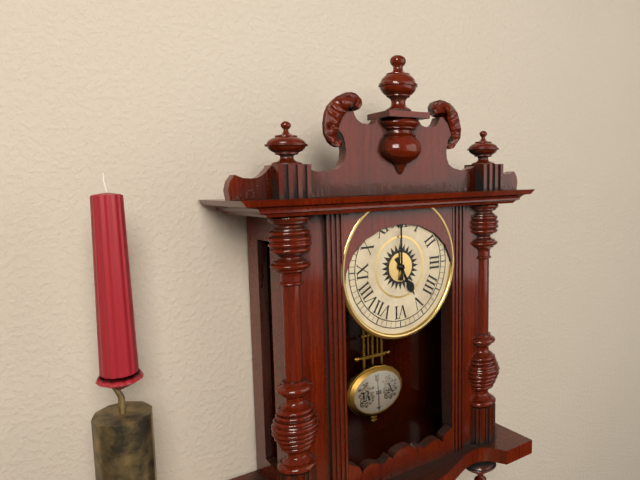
5:00
